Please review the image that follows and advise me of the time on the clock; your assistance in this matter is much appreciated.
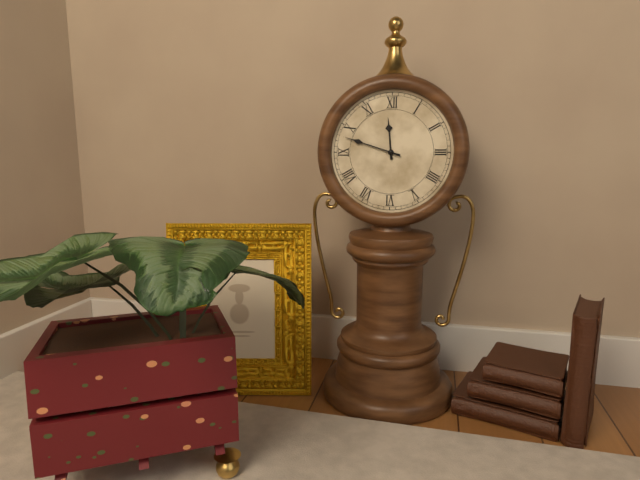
11:48
